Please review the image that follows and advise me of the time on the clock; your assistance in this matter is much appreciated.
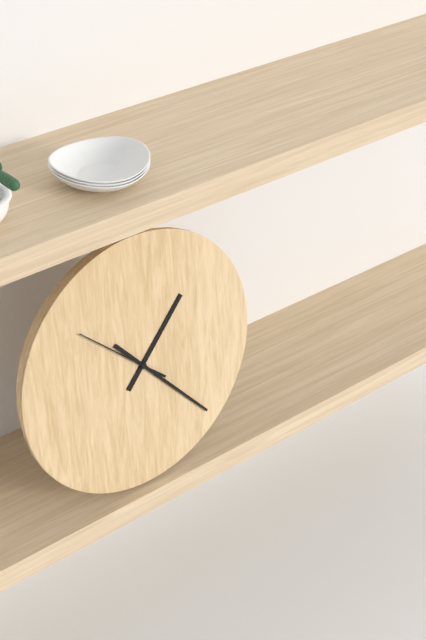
1:23:52
